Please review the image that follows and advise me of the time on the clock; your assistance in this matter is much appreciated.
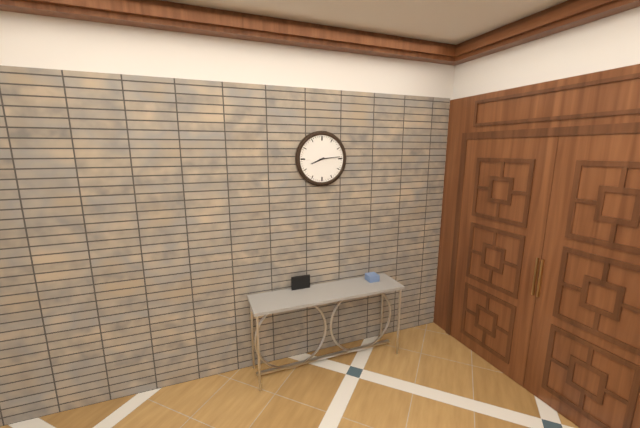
8:14
